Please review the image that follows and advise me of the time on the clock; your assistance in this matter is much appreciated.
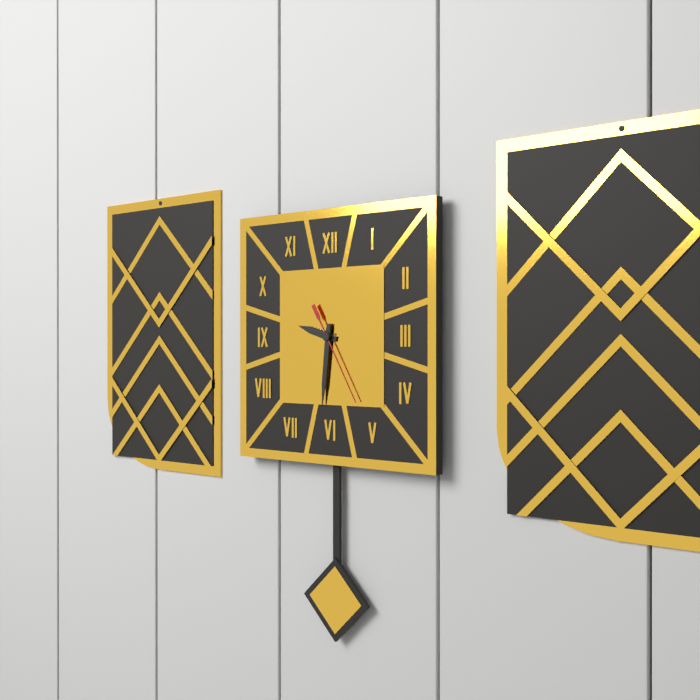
9:31:25
